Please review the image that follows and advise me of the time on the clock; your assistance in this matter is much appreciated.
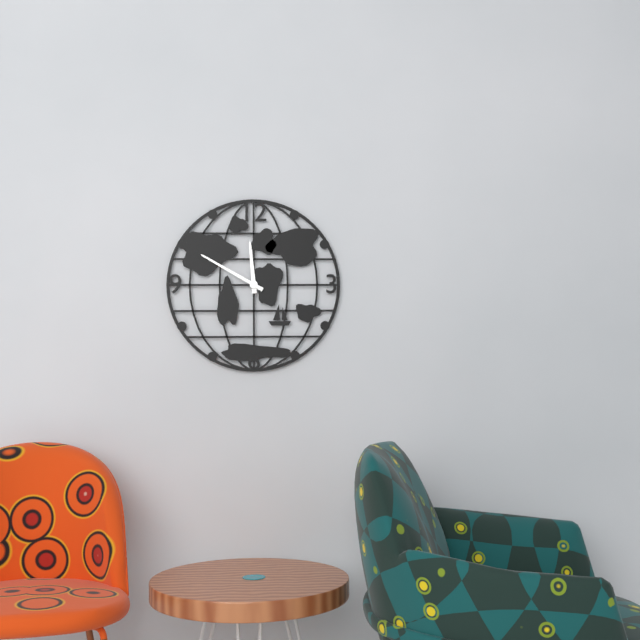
11:50
